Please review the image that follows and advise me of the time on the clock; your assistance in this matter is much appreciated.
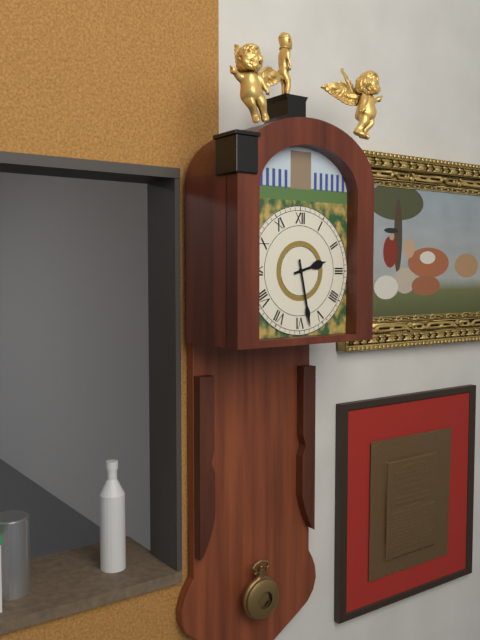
2:28
